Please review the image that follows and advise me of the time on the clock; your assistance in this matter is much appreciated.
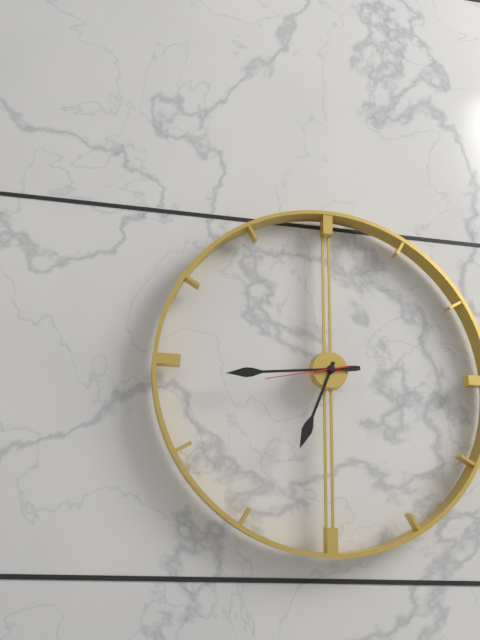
6:44:43
